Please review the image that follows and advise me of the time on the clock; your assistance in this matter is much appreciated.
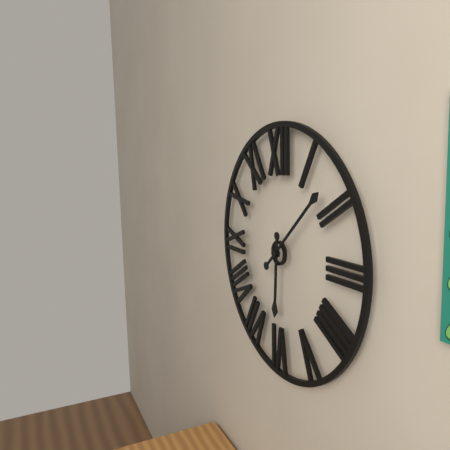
6:08
